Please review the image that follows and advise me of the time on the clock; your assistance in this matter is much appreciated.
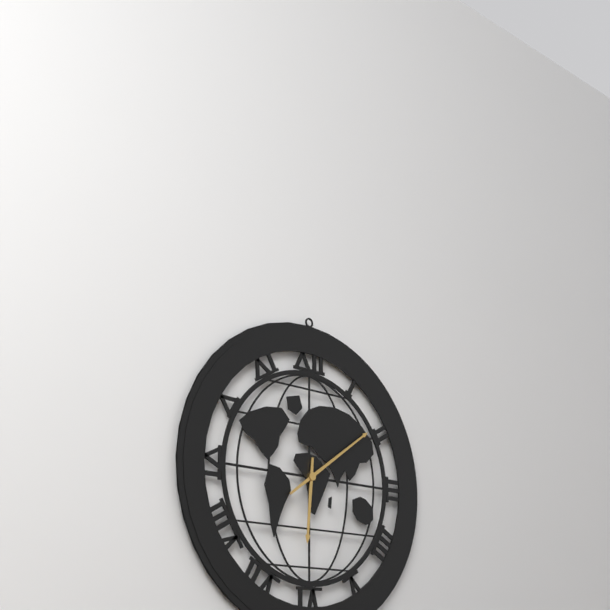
6:09
